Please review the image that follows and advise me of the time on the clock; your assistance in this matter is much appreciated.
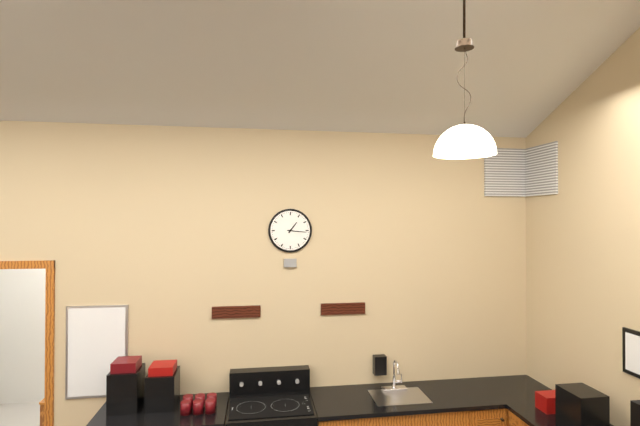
1:16
